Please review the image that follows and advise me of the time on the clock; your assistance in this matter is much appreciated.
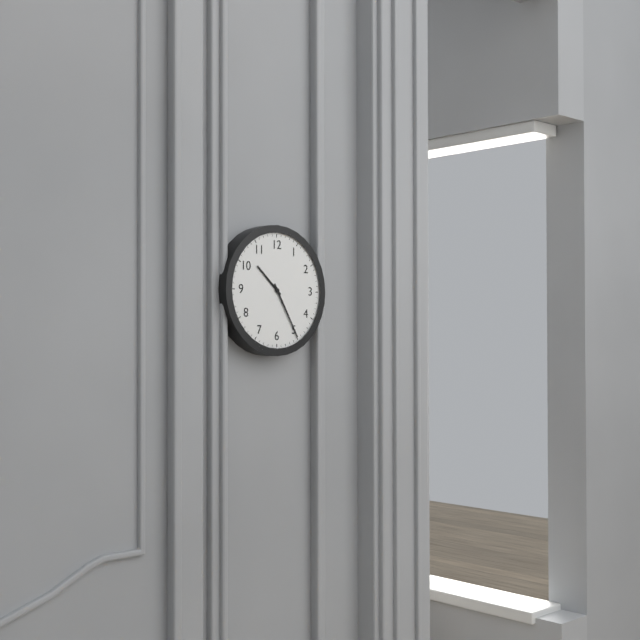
10:25
